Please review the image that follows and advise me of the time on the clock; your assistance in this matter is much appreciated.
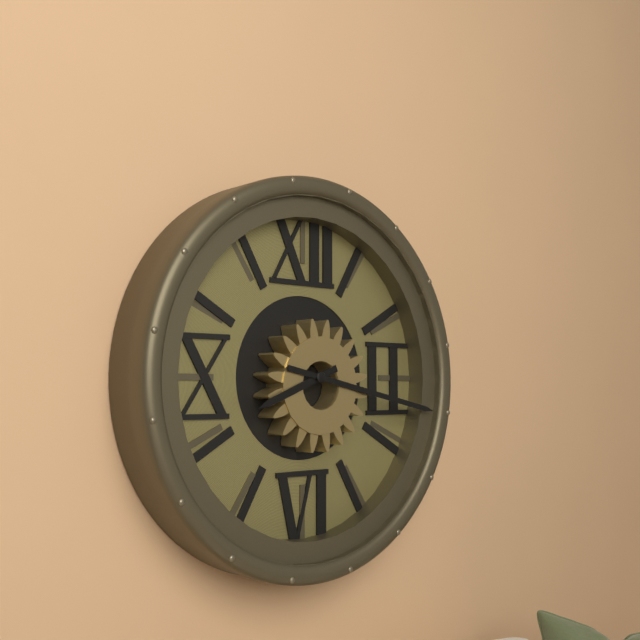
8:17
